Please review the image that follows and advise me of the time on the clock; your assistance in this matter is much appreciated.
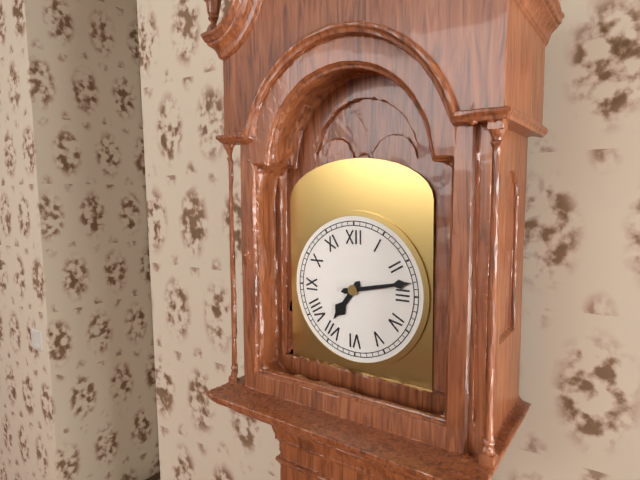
7:13
